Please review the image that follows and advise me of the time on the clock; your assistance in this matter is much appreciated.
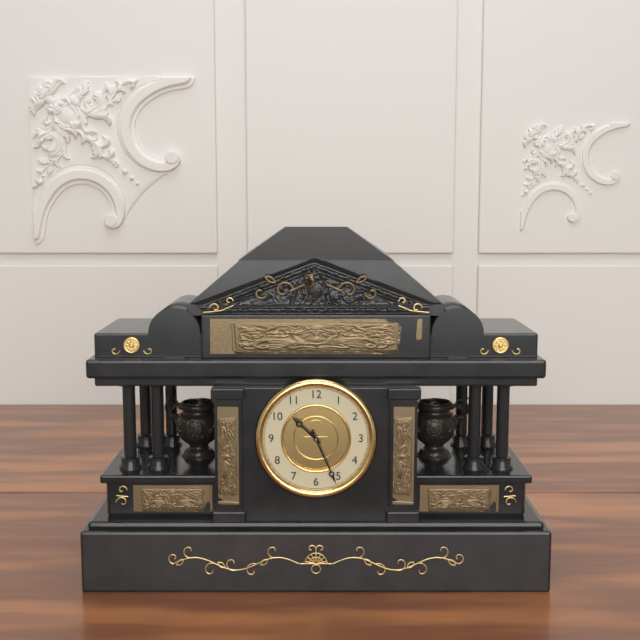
10:26
